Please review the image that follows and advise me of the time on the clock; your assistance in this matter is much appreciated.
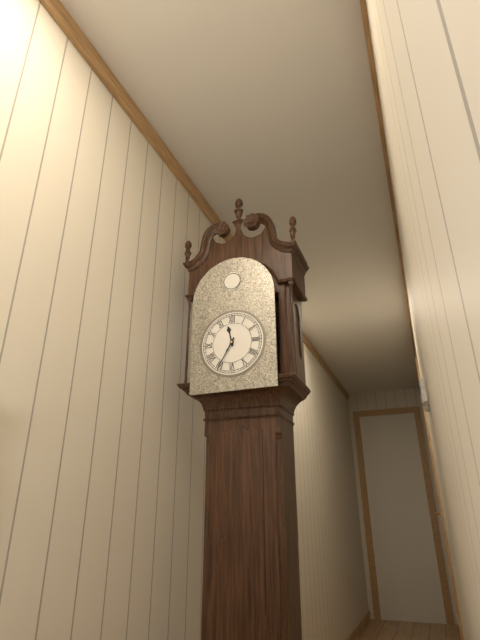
11:35
